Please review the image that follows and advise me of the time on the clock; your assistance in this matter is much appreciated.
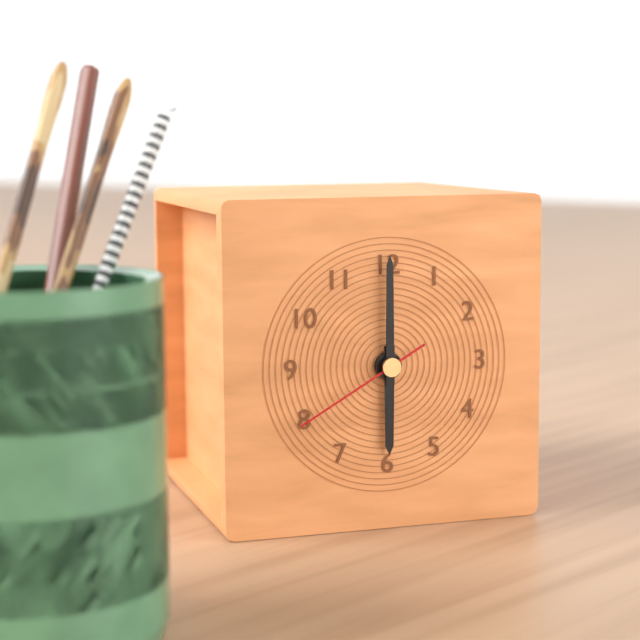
6:00:40
